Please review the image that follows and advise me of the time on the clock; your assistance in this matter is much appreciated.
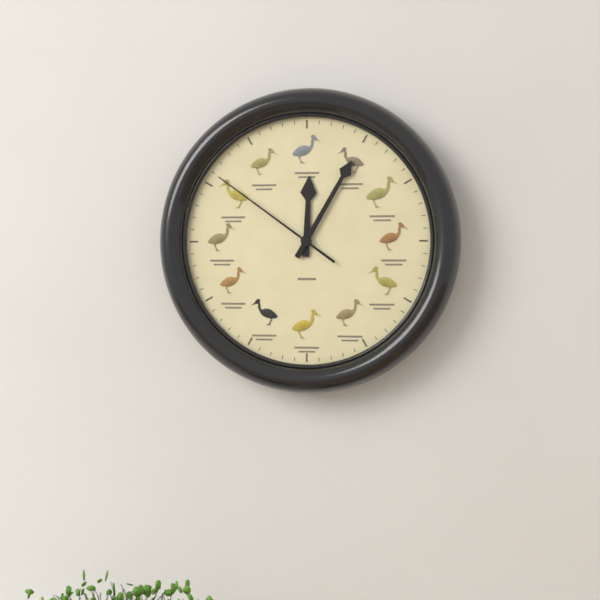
12:05:51
